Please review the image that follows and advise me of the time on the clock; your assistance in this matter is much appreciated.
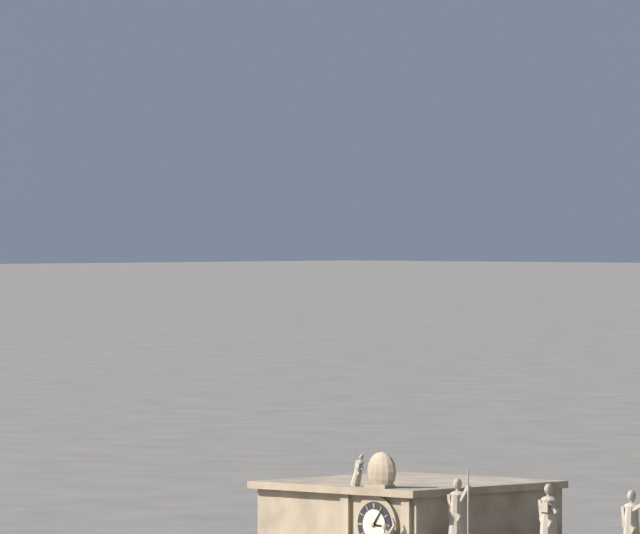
3:06
